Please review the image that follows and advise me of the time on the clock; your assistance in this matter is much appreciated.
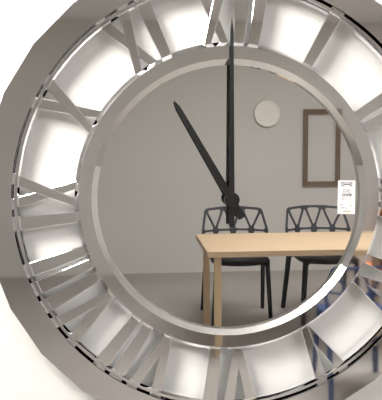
11:00
